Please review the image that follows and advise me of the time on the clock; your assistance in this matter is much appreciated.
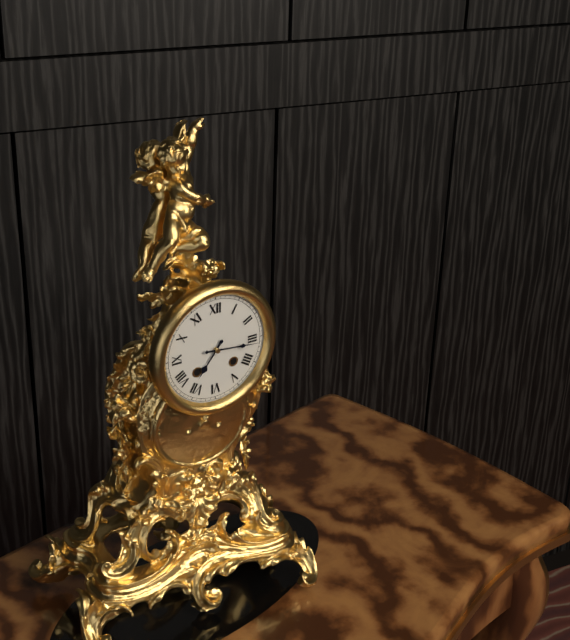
7:16
